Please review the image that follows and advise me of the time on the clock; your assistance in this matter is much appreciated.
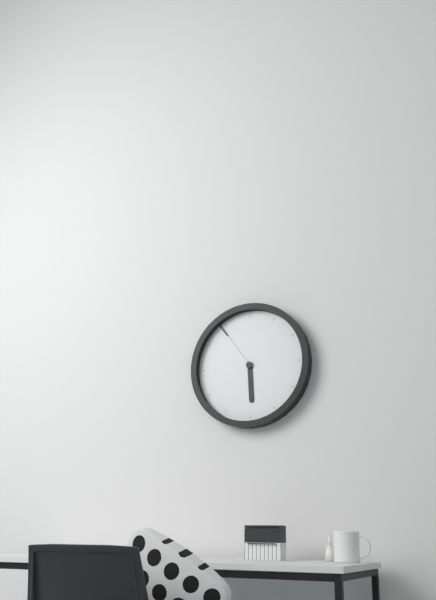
5:54
